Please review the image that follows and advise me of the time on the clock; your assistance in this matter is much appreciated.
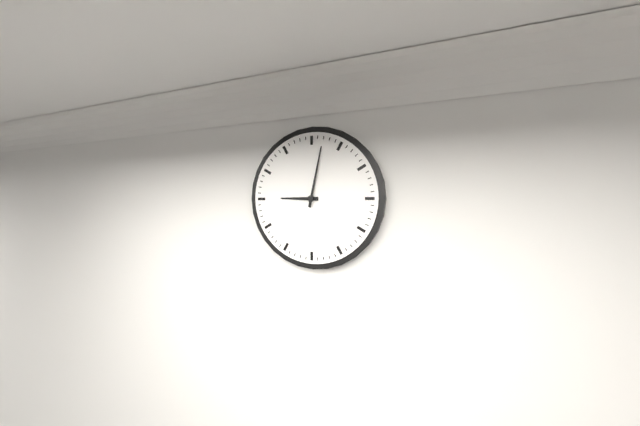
9:02
